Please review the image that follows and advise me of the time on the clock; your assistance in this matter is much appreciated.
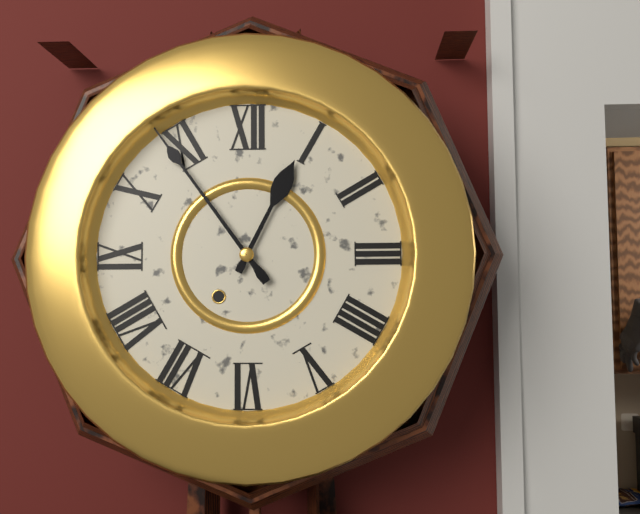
12:54
